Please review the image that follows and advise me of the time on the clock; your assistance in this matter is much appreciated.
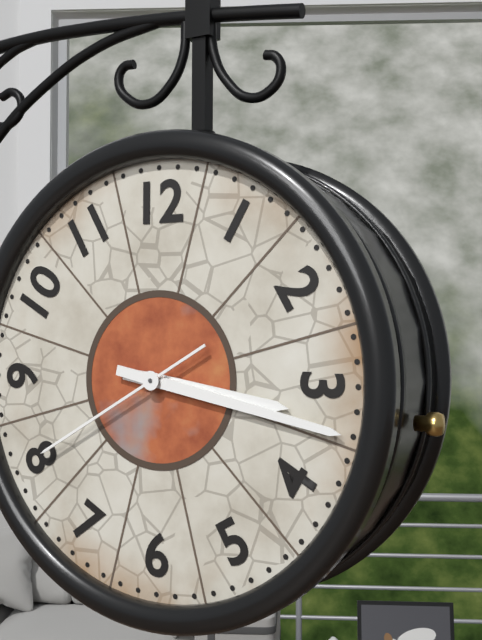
3:17:40
